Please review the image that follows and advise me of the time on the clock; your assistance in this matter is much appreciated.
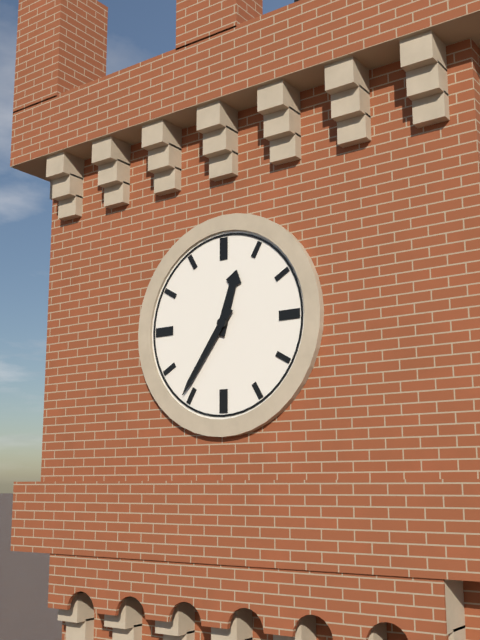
12:36
